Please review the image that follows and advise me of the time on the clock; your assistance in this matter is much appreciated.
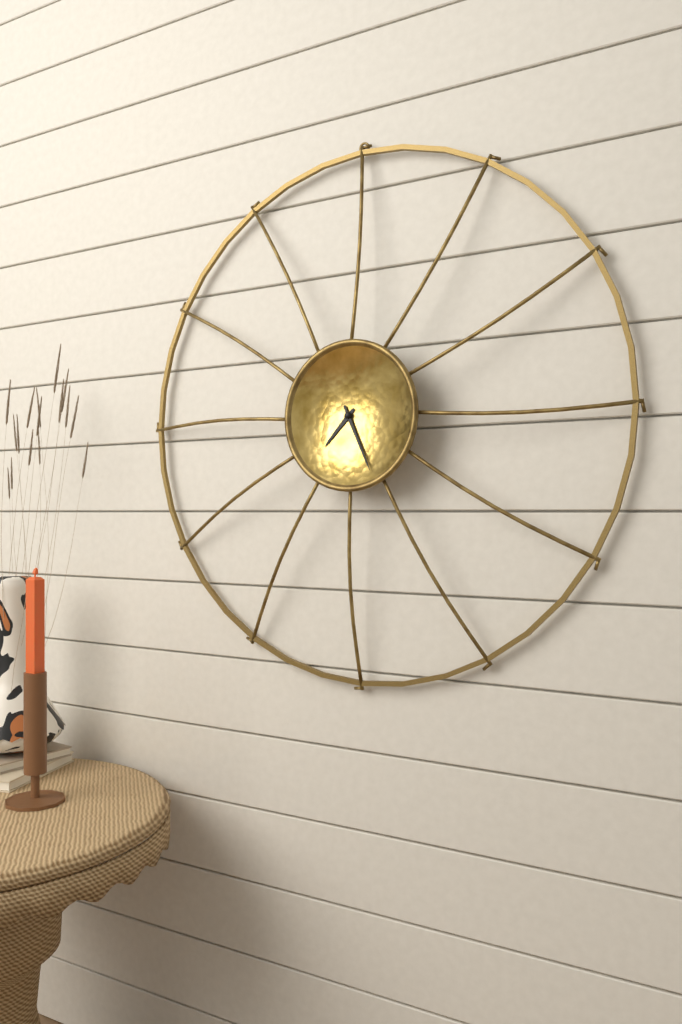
7:26
